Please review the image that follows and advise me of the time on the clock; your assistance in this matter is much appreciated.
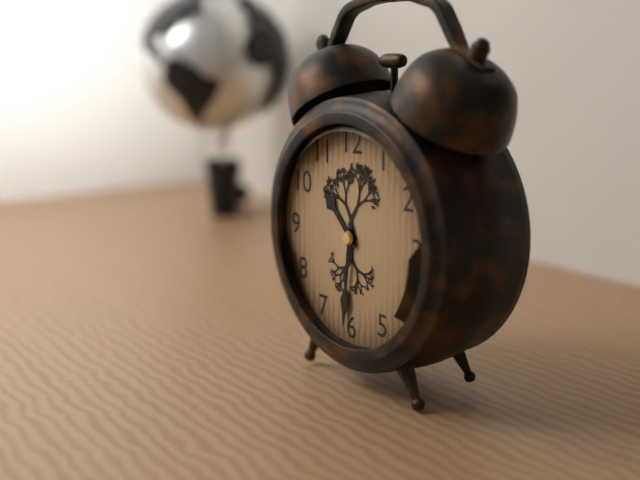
10:31
